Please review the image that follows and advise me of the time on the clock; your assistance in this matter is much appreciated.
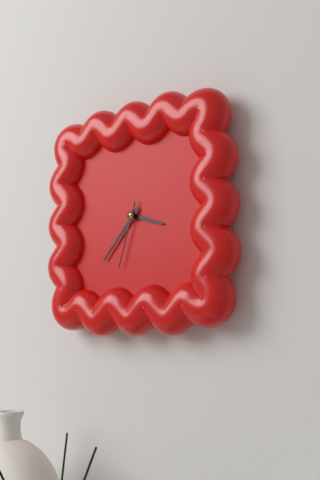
3:37:33
